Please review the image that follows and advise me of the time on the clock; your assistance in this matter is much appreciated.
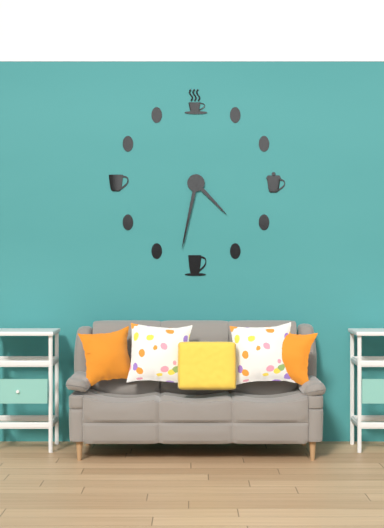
4:32
